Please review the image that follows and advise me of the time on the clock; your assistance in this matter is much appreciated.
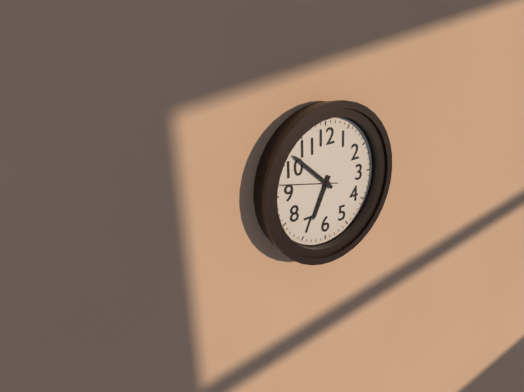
6:52:47
